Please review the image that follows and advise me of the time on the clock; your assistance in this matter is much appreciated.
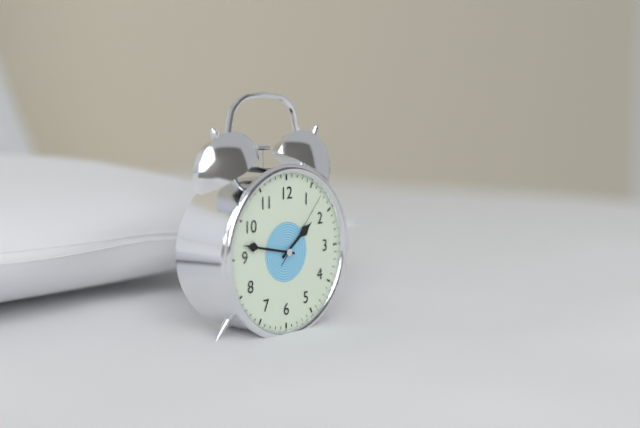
1:47:07
